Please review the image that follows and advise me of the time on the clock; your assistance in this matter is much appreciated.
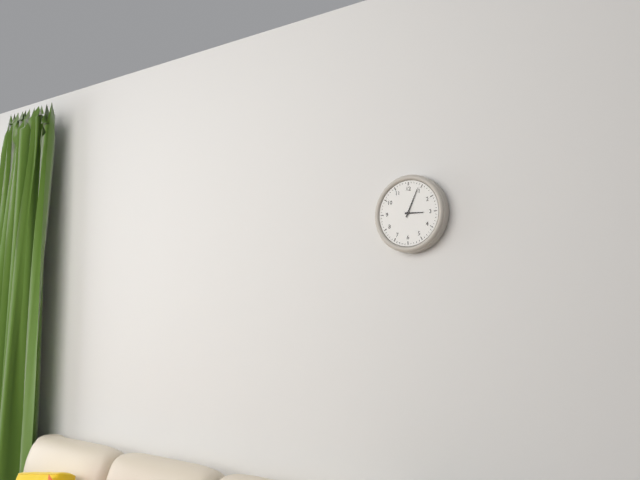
3:04
